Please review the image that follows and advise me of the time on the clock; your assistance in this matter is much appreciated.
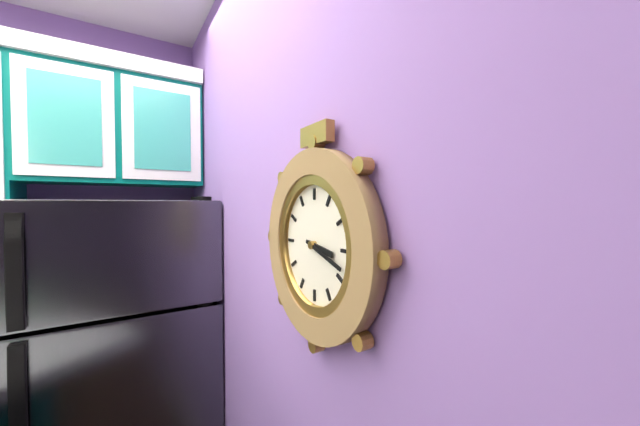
3:18
